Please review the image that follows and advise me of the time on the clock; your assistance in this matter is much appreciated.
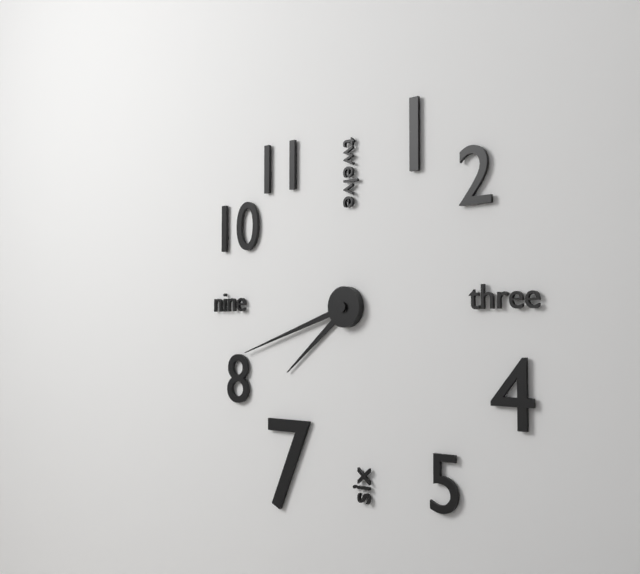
7:42
